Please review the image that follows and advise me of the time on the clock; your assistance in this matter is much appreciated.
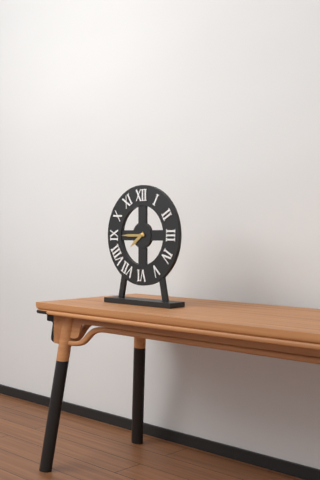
7:45
